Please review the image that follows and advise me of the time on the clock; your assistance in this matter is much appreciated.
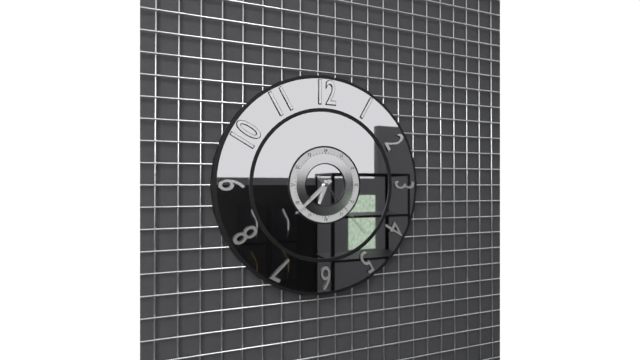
6:38:23
